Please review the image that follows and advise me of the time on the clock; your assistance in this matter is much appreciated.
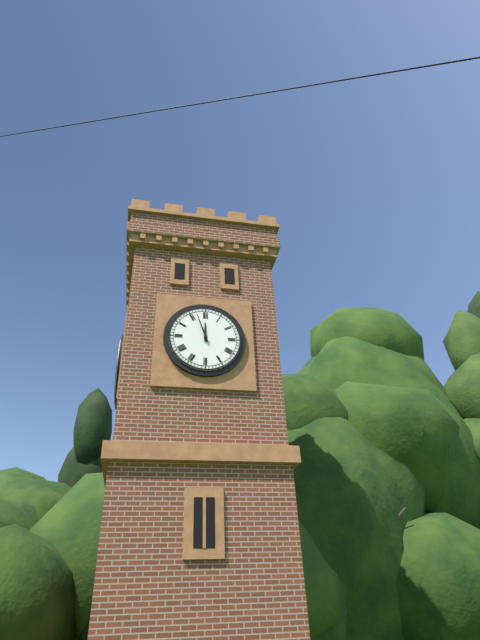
11:57
